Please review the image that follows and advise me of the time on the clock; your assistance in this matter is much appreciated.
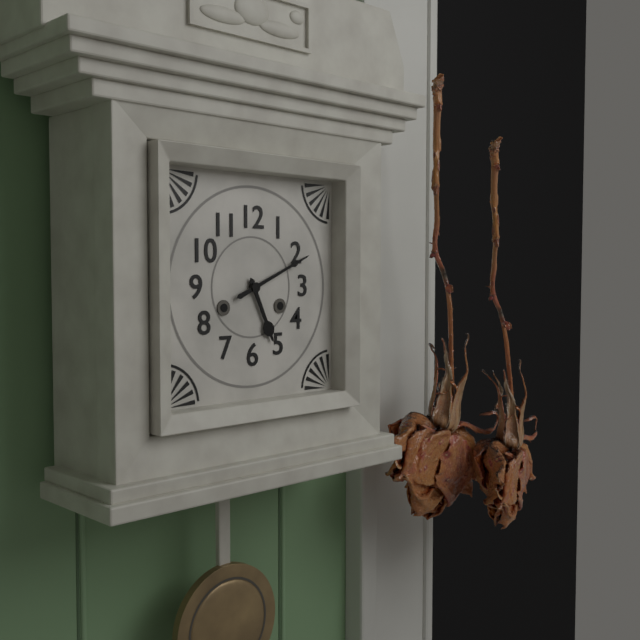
5:11
